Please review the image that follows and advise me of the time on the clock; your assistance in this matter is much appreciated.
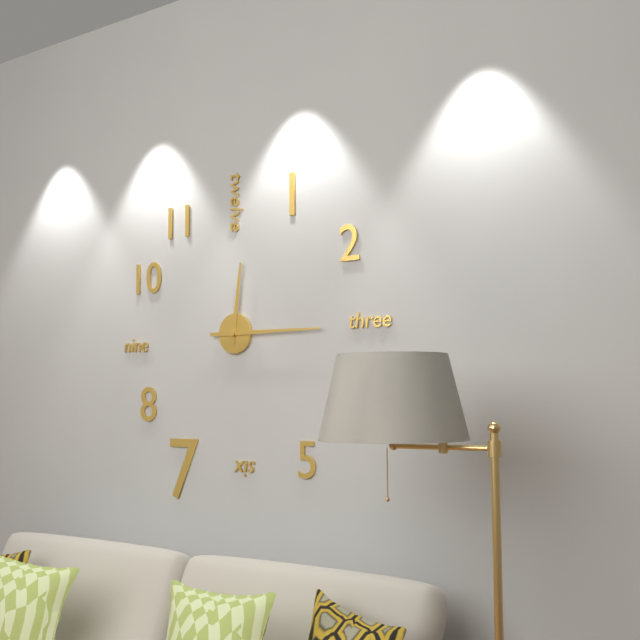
12:15
